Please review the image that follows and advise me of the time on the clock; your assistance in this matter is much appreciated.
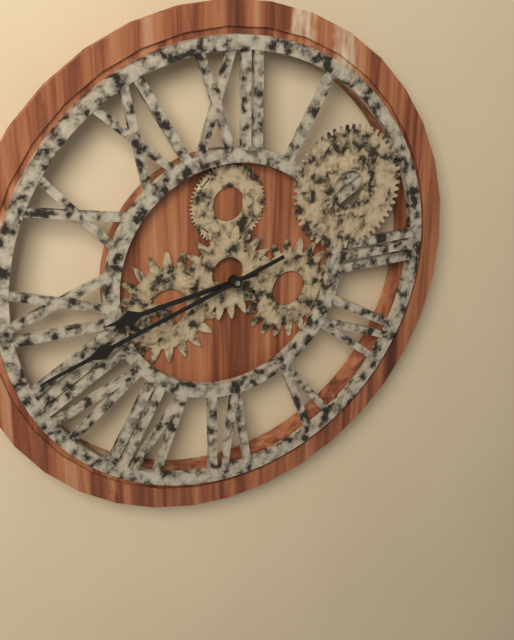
8:42
